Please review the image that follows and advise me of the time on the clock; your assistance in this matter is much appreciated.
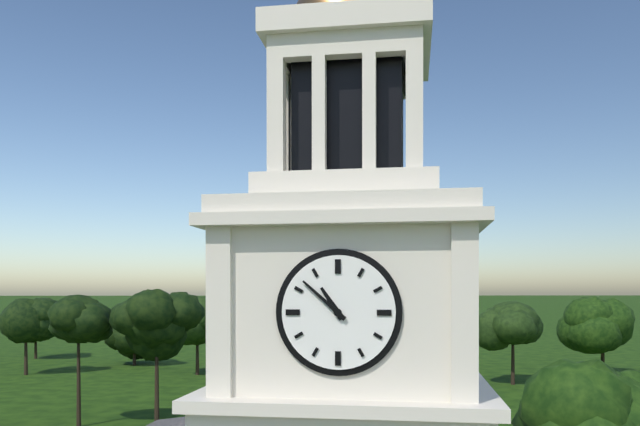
10:52
